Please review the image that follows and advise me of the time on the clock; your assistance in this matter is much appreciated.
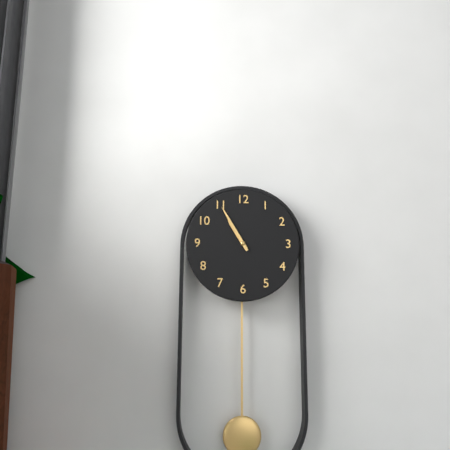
10:55
